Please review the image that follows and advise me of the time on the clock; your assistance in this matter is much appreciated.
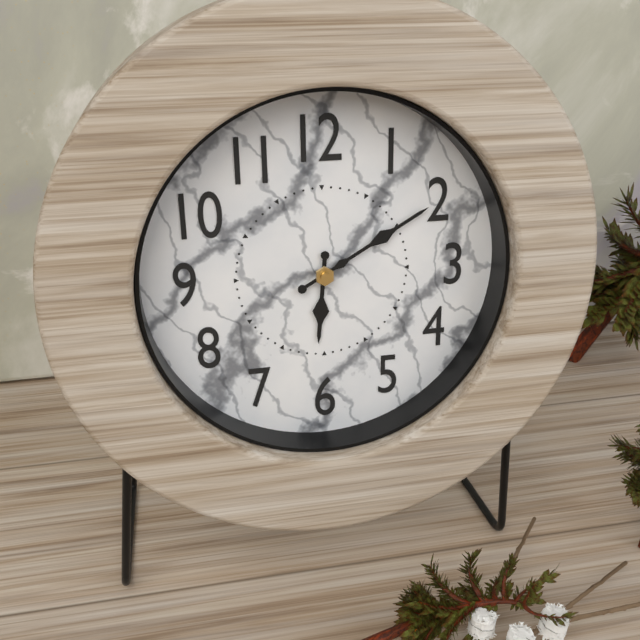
6:10
